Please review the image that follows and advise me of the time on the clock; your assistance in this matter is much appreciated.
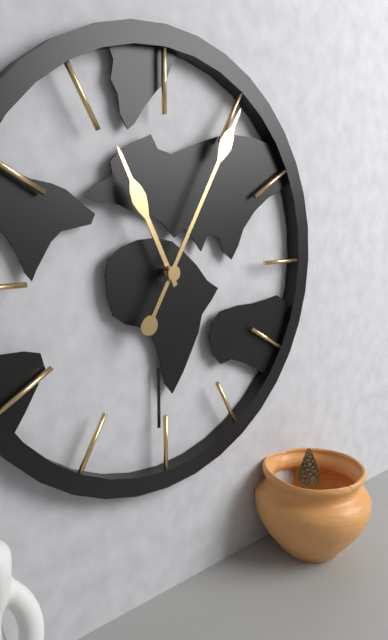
11:05
